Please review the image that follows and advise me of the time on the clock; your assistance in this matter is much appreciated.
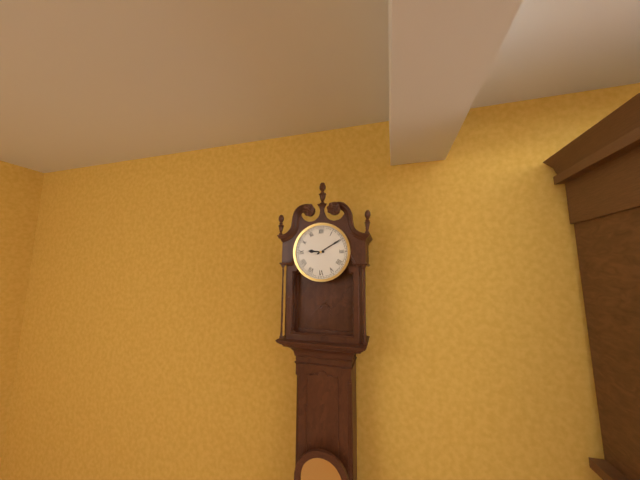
9:10
